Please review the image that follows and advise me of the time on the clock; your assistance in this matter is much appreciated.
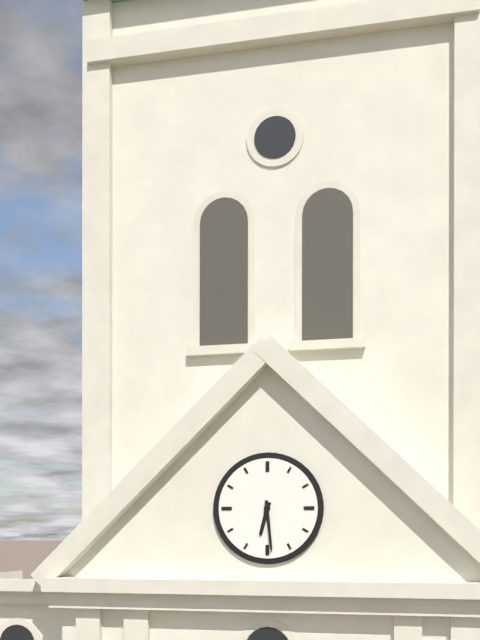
6:29
